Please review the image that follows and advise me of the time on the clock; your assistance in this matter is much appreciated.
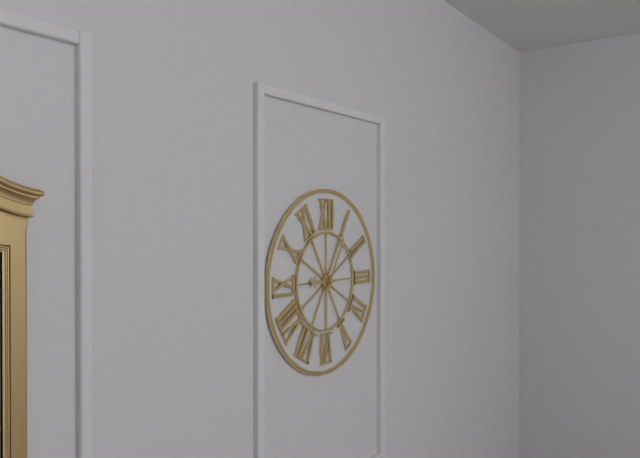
9:05
